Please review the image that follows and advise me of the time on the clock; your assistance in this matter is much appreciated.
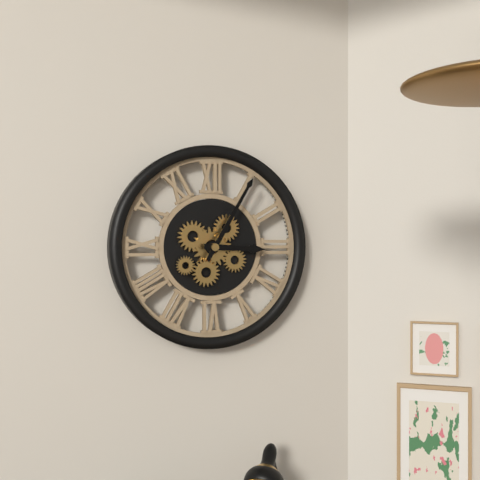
3:05
